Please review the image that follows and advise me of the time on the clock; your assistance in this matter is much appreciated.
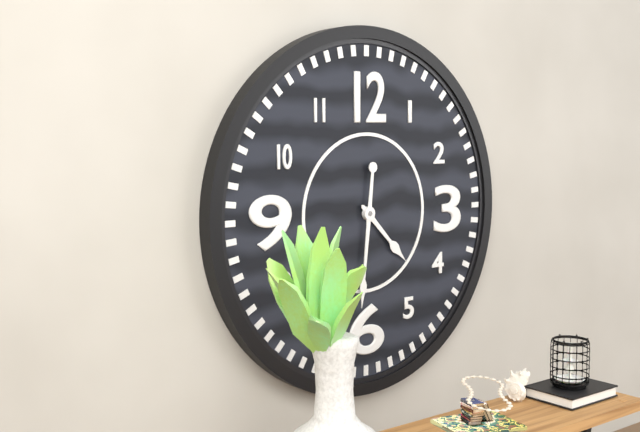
4:31
